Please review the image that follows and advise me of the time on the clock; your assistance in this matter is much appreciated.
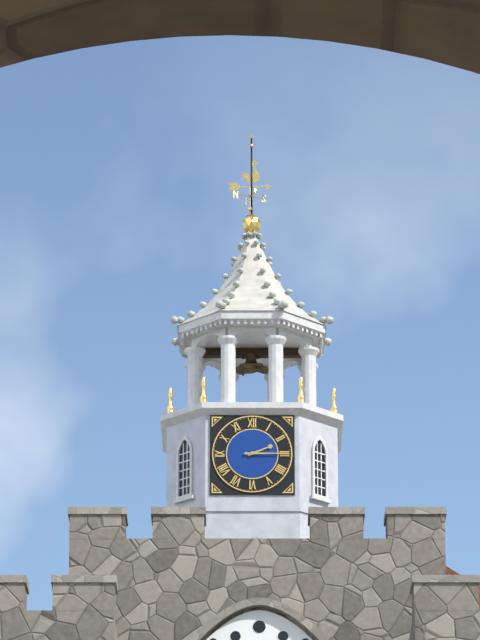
2:15
